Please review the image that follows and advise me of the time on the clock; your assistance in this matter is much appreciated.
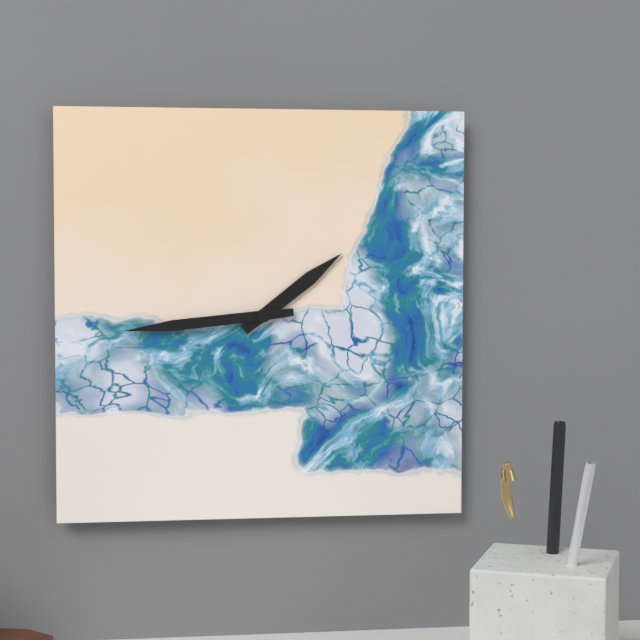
1:44
